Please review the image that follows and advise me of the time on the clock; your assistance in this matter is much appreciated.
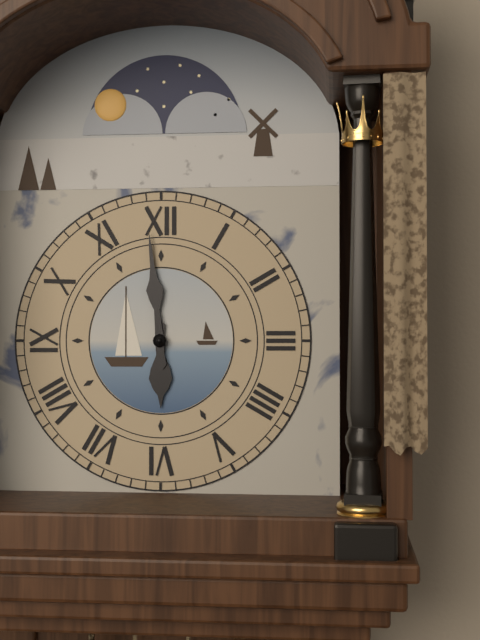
5:59
